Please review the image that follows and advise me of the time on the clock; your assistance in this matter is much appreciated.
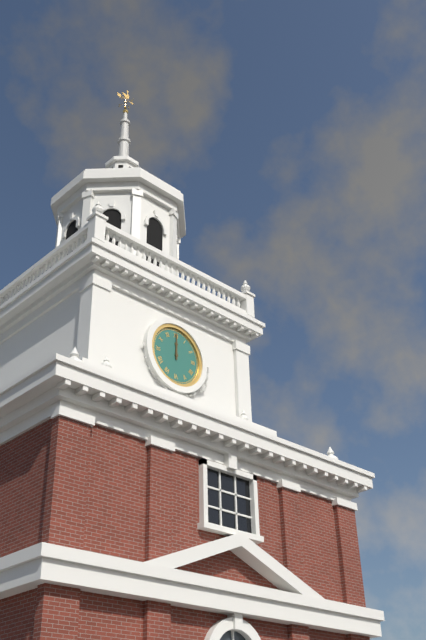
12:00
